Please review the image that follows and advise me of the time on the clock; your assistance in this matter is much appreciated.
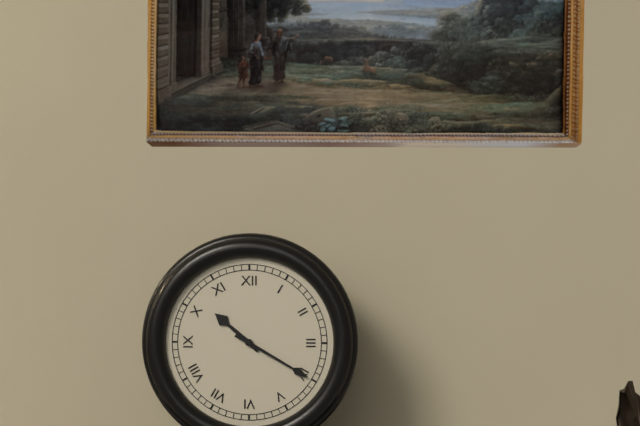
10:20
